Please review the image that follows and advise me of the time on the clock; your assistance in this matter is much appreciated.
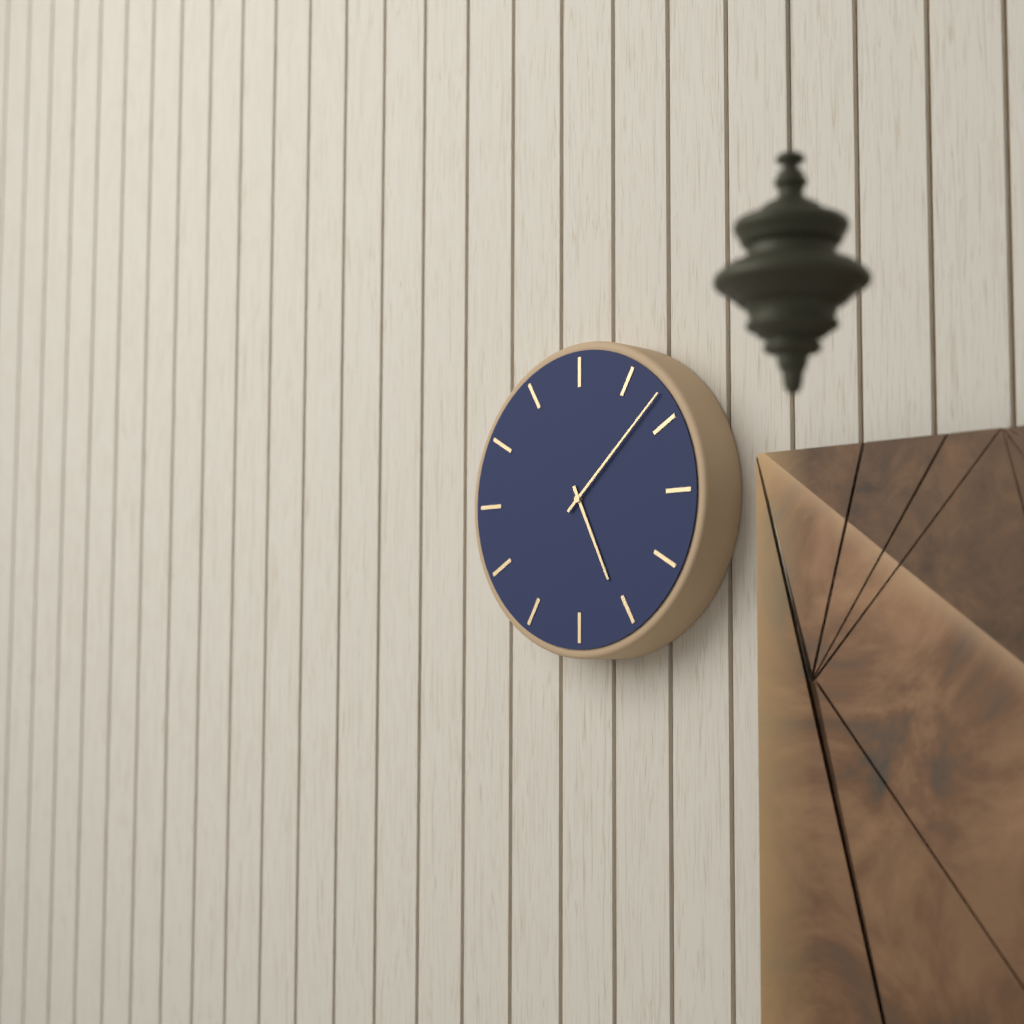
5:08
